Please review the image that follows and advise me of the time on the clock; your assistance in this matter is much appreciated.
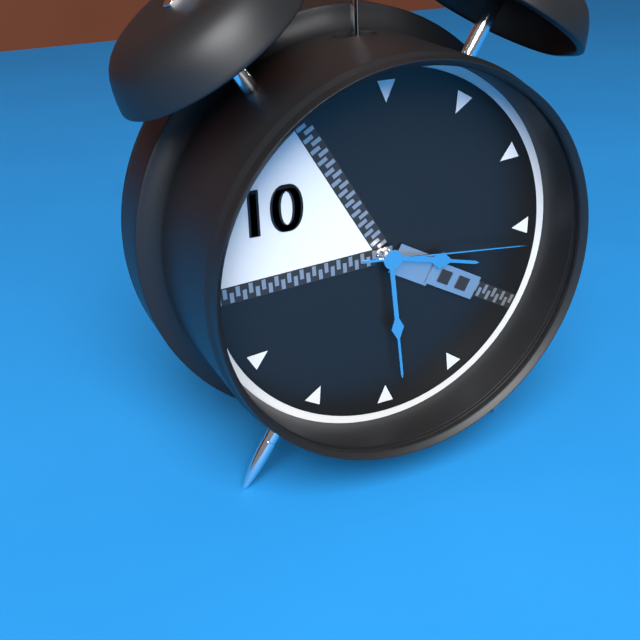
3:29:16
